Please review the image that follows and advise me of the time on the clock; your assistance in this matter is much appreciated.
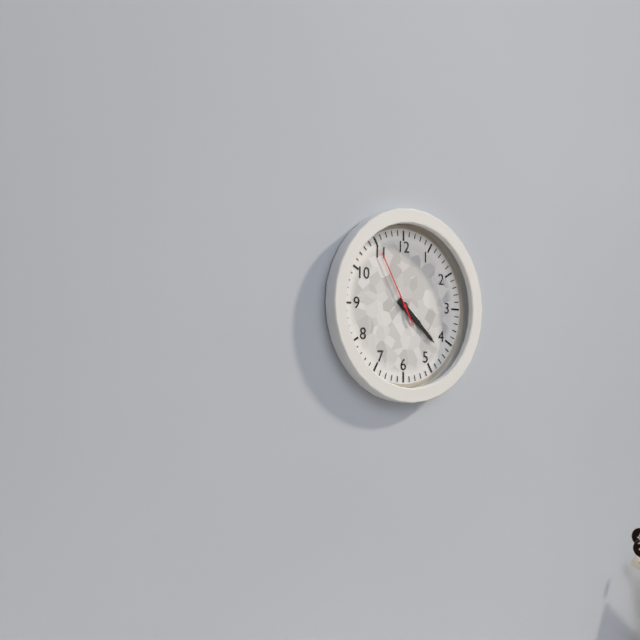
4:22:55
